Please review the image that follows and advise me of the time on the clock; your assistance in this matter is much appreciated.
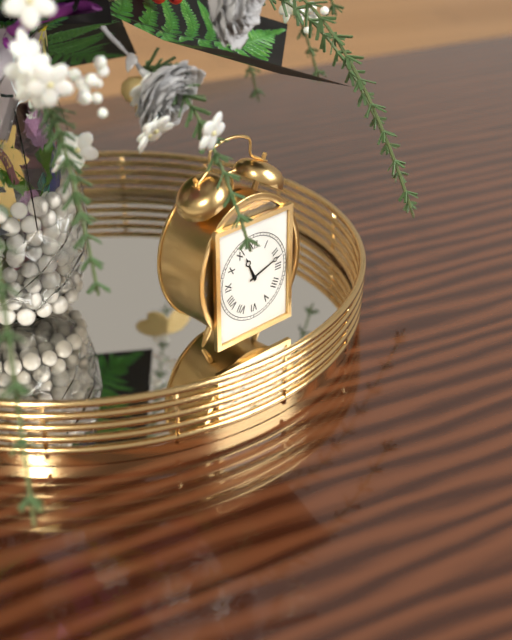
11:12
